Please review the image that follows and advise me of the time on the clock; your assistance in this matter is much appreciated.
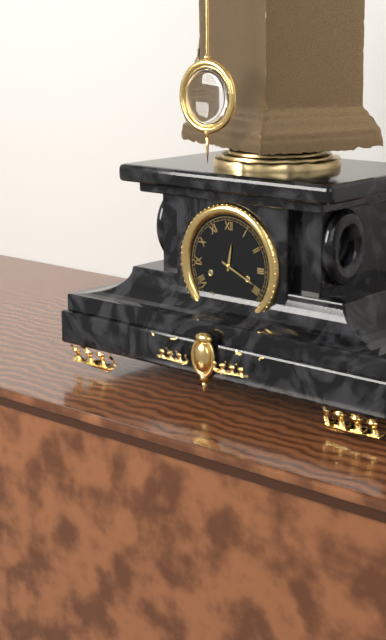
12:19
